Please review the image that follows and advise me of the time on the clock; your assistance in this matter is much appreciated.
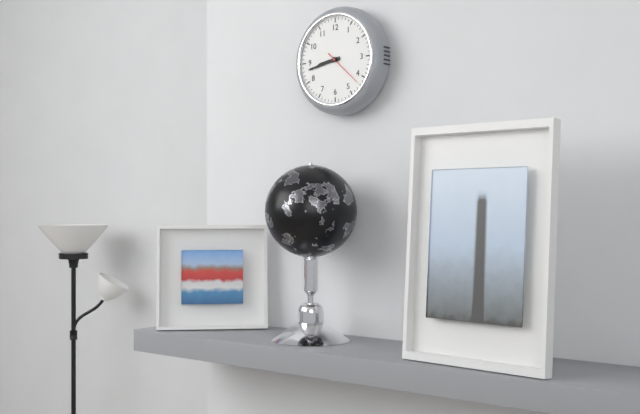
8:43
